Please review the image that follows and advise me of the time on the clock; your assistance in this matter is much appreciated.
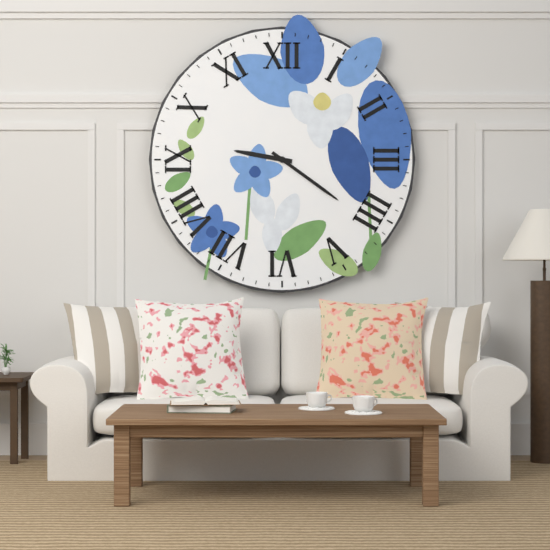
9:21
